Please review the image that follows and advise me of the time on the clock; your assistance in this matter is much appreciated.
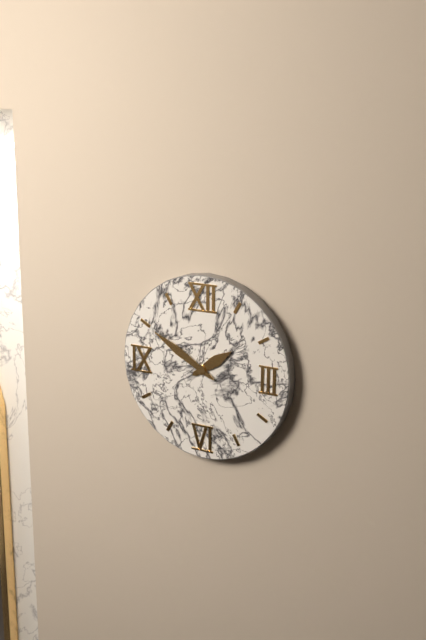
1:50
